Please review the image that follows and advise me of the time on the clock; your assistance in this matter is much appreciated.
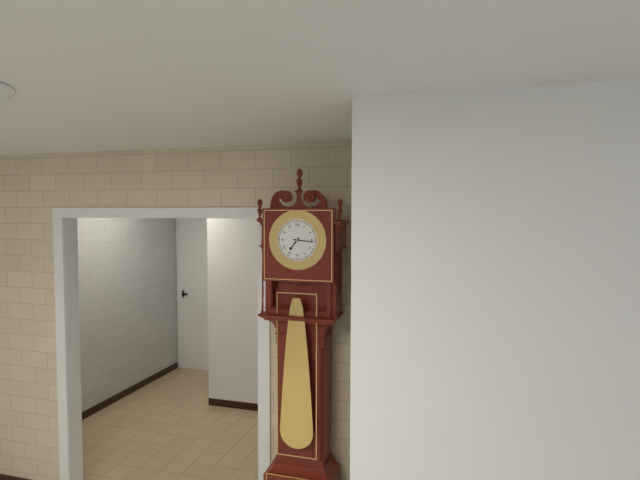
7:16
